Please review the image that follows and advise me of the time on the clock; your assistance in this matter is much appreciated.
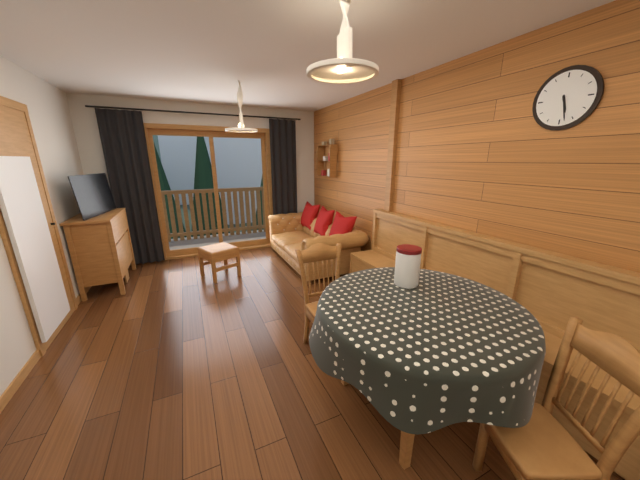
5:28
